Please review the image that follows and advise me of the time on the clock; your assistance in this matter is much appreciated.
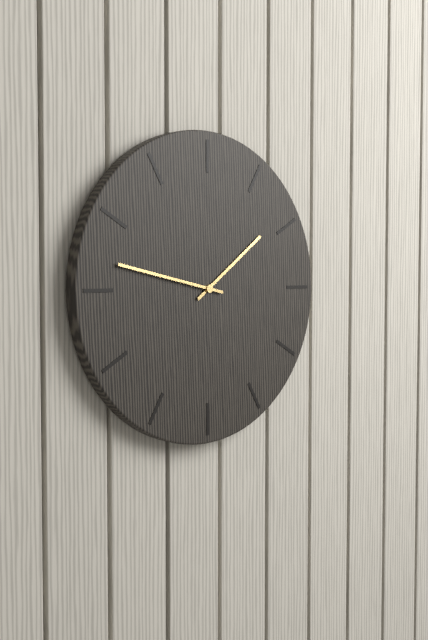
1:47
